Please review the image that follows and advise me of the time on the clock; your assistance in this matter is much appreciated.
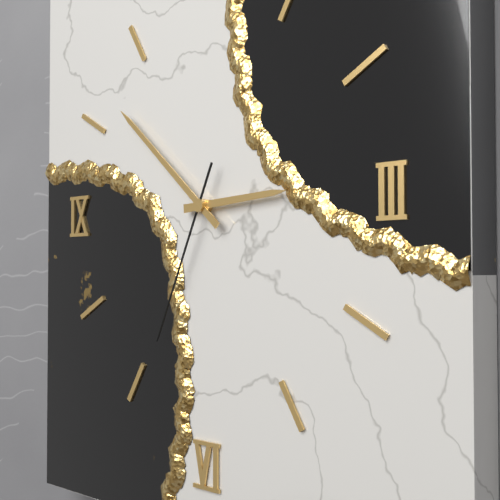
2:52:34
